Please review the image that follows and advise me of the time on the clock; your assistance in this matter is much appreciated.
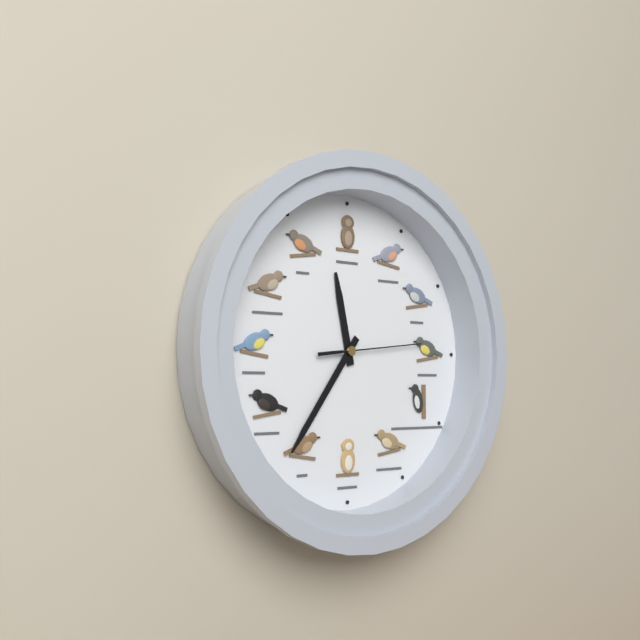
11:36:14
